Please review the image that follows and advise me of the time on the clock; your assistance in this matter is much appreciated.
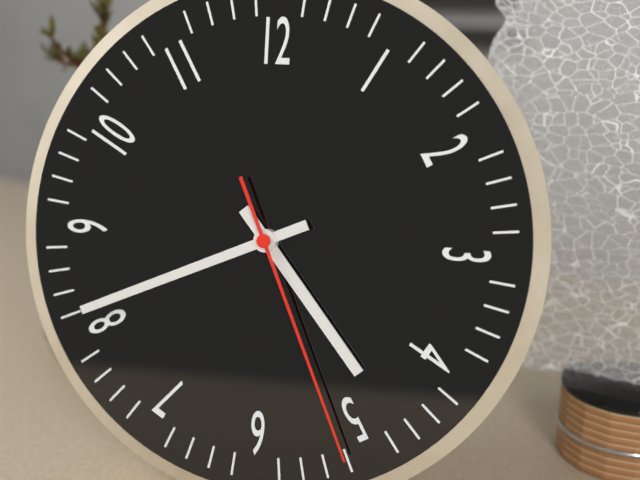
4:41:26
